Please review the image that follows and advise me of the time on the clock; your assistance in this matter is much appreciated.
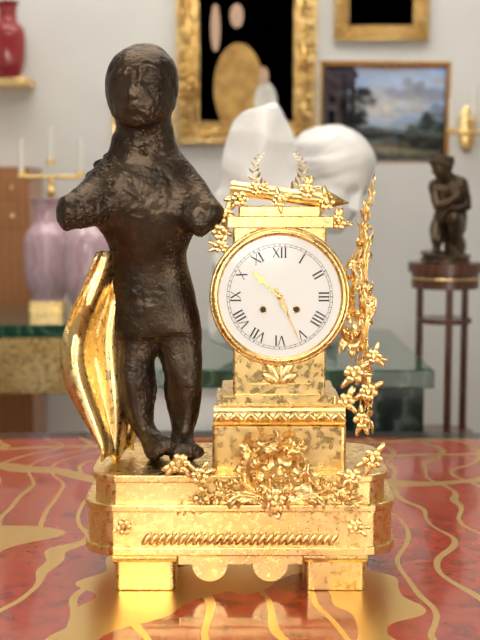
10:26
